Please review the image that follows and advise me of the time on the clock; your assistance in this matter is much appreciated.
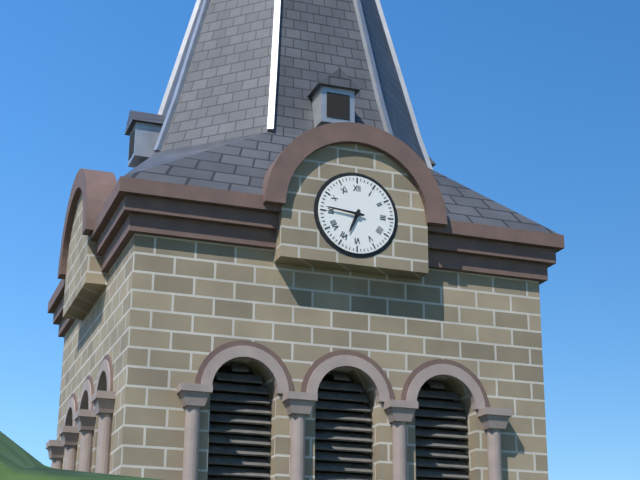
6:46
